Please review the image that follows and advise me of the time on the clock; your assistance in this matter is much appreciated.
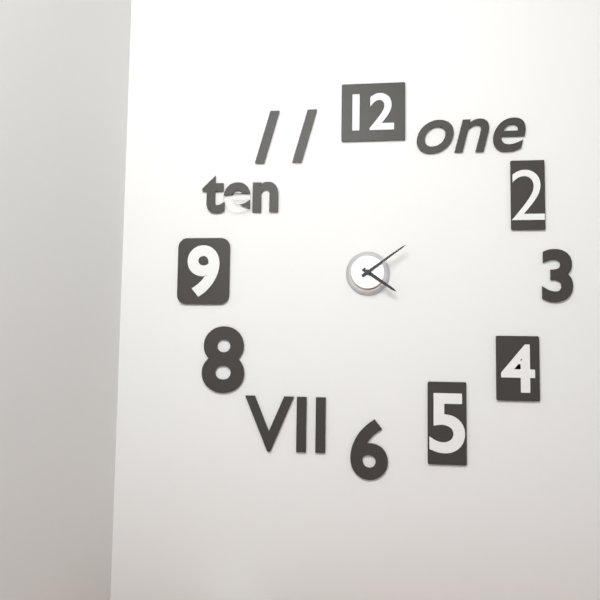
4:09
